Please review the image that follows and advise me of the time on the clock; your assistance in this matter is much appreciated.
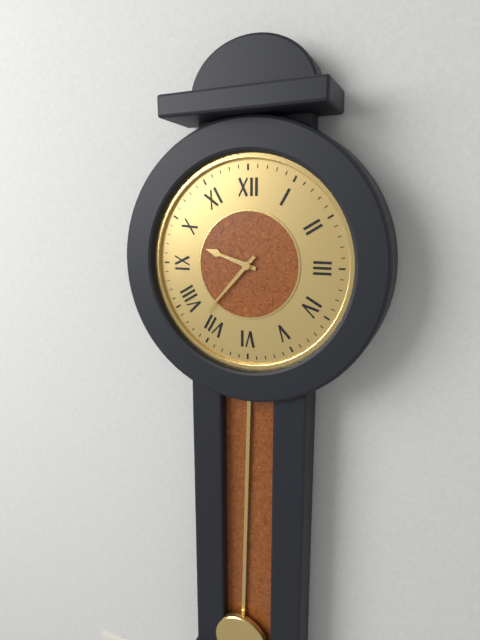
9:37
